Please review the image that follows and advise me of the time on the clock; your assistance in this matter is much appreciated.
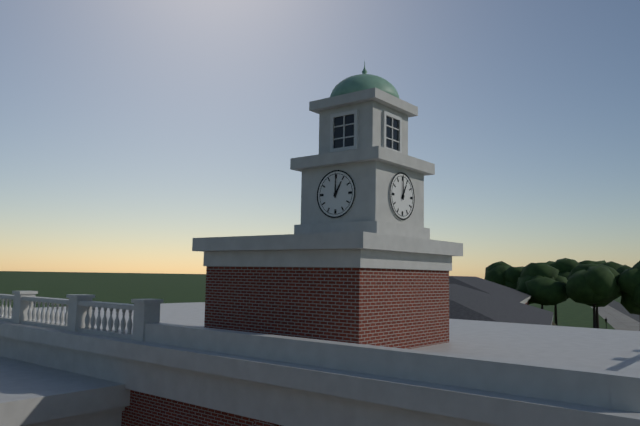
1:00
